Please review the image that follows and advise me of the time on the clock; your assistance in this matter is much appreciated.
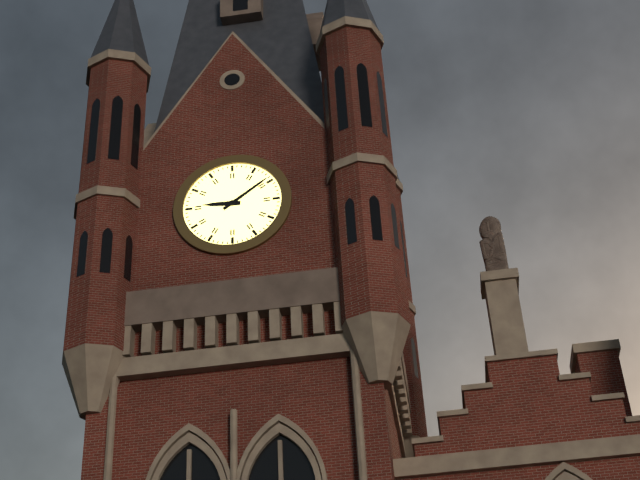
9:09
